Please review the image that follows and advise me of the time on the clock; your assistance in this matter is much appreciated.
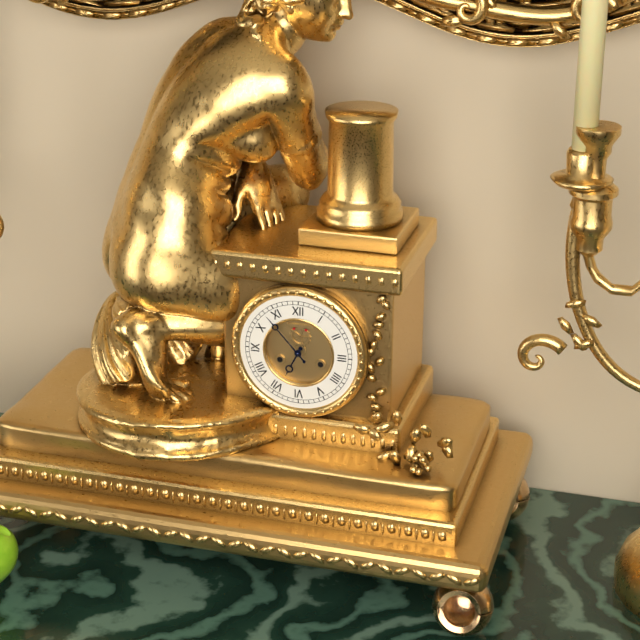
6:53
